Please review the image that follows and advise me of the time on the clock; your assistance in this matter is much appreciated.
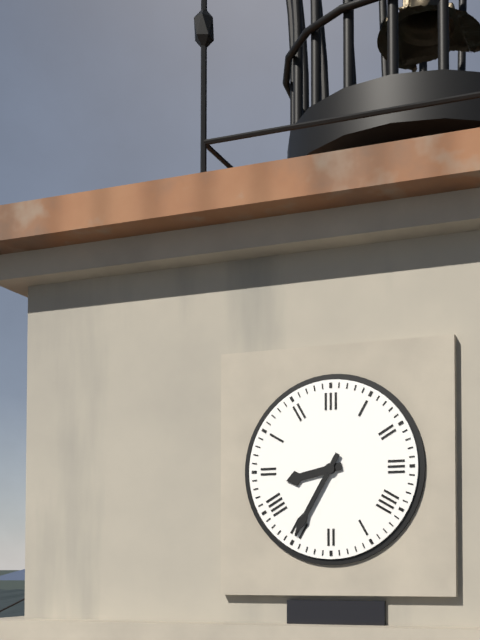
8:35
